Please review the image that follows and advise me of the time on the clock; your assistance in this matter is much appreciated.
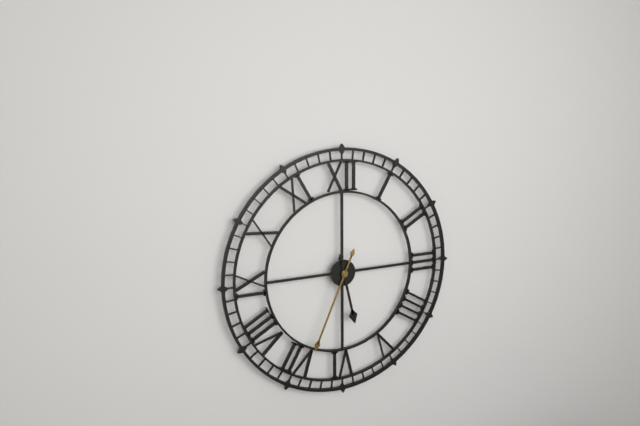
5:34
